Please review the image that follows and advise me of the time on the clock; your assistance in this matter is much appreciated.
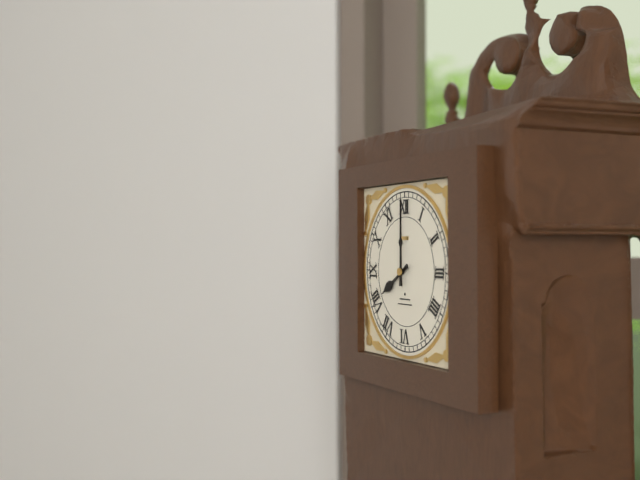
8:00
